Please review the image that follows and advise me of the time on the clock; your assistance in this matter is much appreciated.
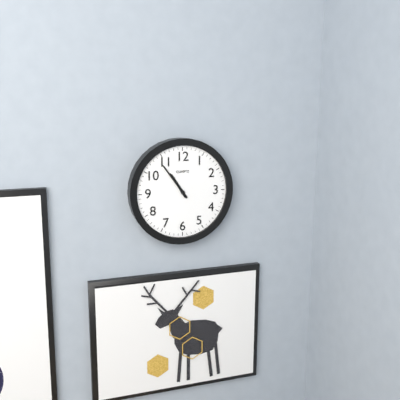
10:54
